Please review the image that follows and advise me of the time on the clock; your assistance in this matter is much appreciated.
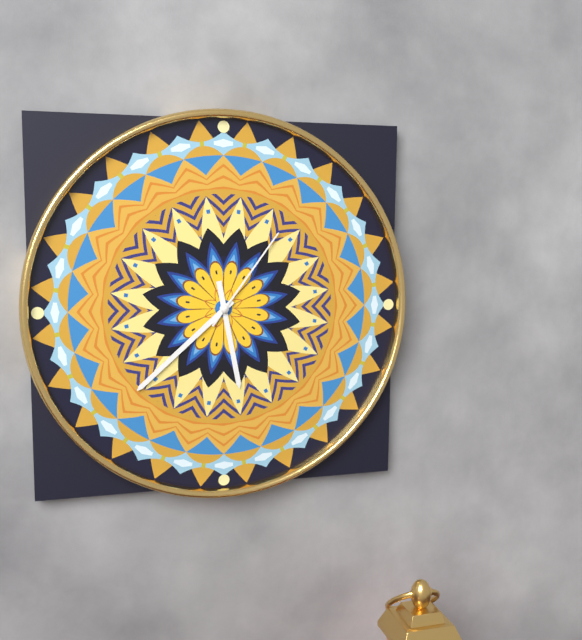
5:38:06
